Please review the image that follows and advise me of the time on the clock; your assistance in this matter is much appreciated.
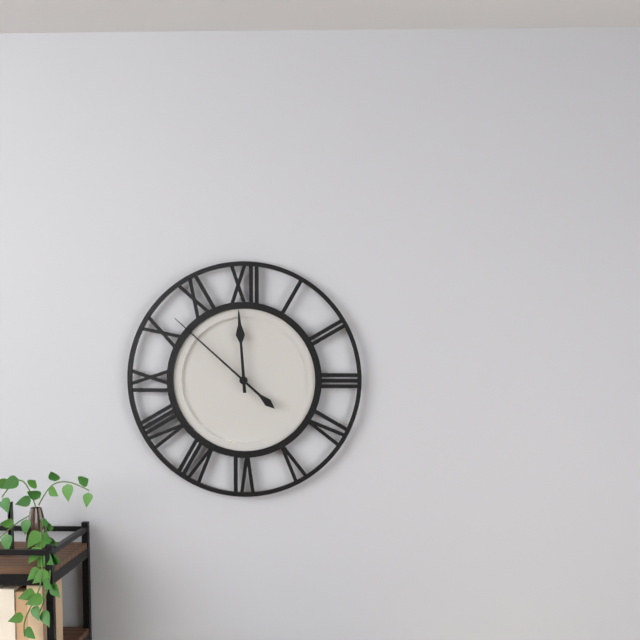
11:52
